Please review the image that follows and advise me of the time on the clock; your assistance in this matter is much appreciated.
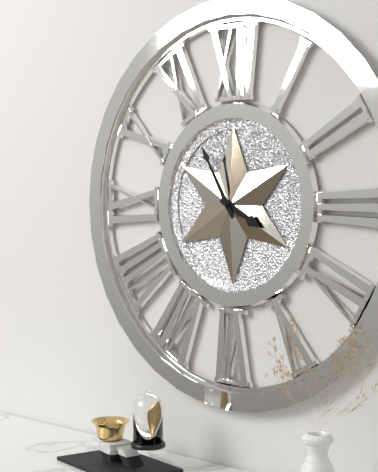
3:55
